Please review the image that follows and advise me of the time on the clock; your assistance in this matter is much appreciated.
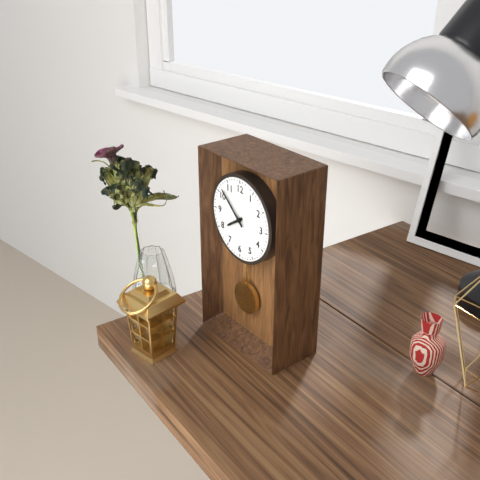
7:52
